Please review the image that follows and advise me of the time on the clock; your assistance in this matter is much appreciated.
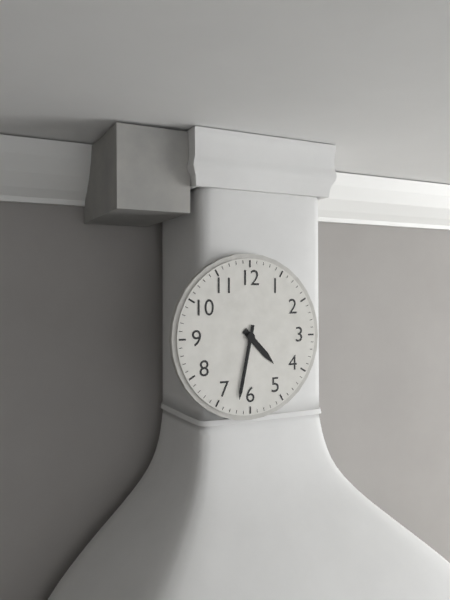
4:32
